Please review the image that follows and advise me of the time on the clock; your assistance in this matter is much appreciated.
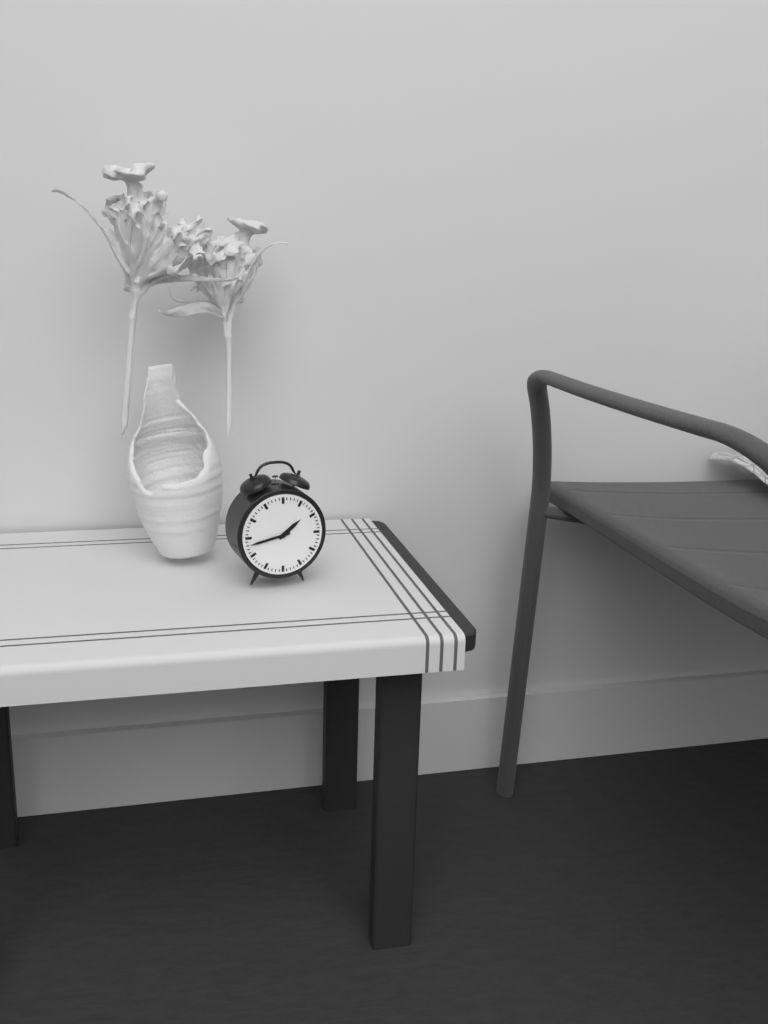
1:43
